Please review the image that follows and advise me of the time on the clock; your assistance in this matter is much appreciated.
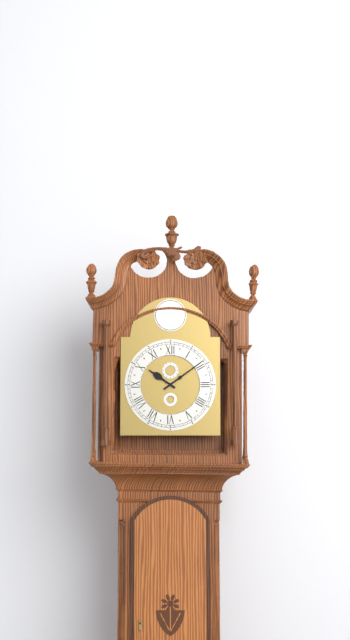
10:09
